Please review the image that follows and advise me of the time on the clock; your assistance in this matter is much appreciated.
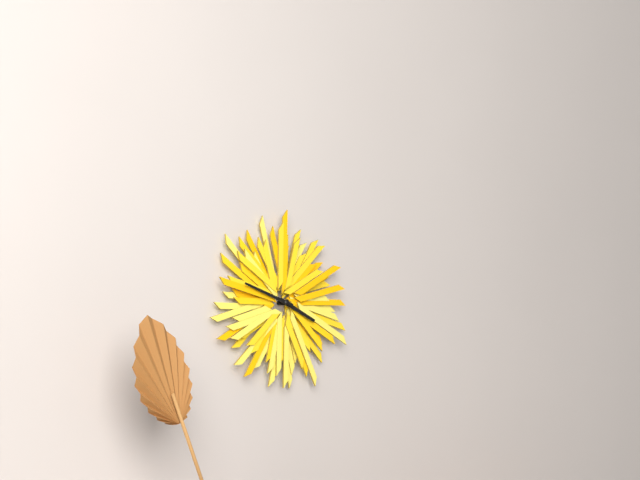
3:48
